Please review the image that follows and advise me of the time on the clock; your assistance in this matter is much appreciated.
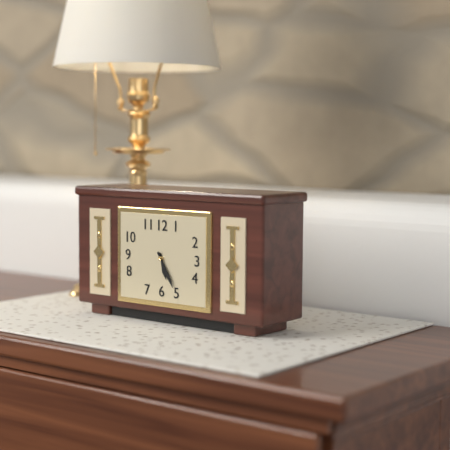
5:25
